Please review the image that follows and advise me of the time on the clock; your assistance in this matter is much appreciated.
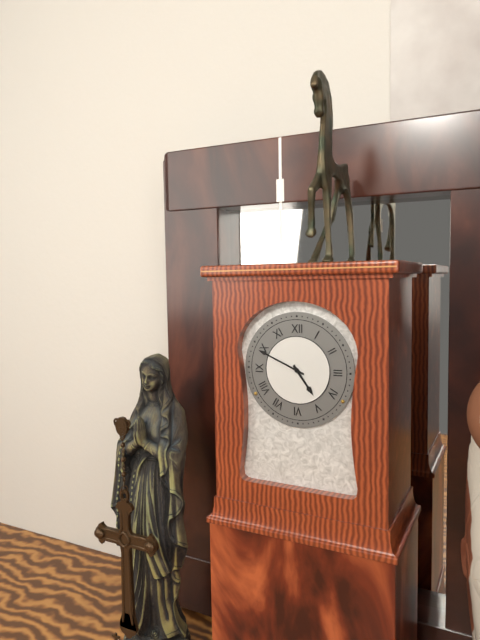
4:49
